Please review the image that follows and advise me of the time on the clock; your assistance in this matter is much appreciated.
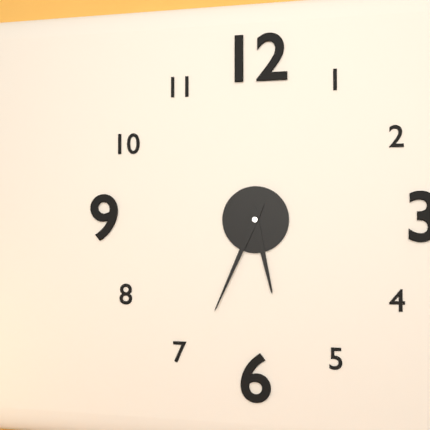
5:34
